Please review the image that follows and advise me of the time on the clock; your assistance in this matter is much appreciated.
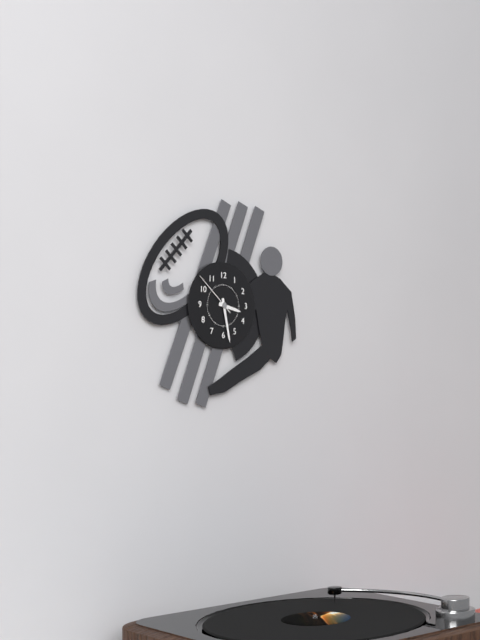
3:28
